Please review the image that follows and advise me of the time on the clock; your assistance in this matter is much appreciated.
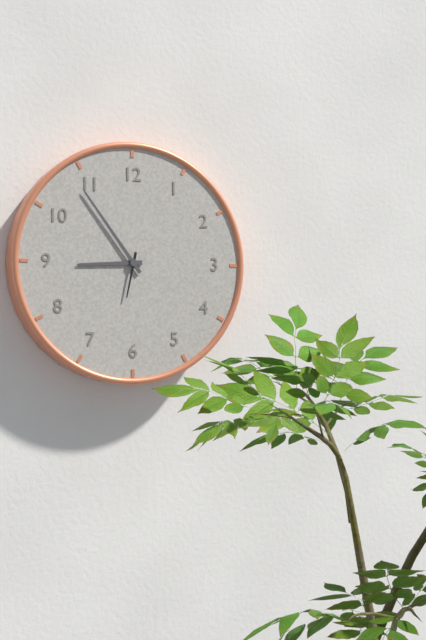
8:54
